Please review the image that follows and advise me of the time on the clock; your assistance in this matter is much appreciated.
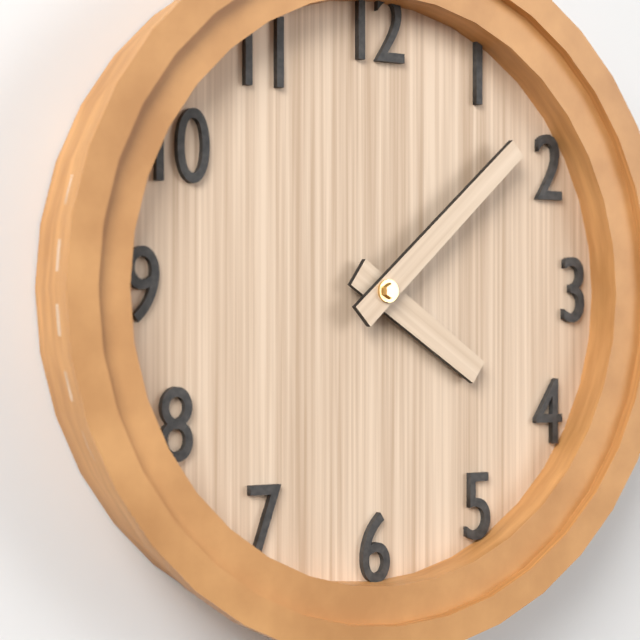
4:08
